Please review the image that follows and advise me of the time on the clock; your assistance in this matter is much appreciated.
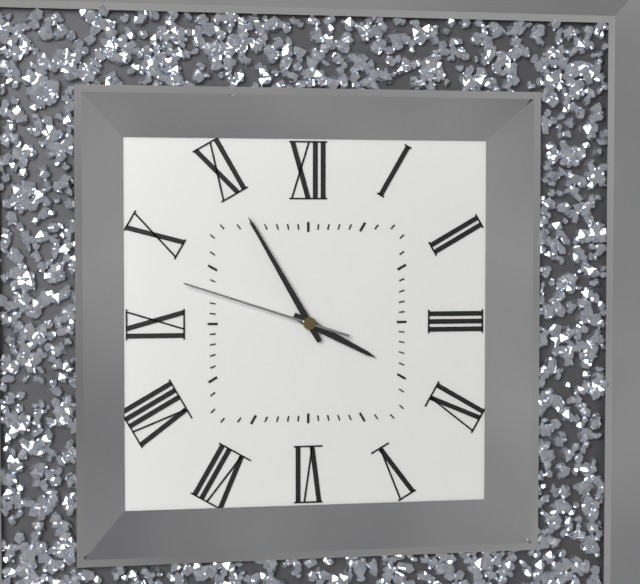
3:55:48
